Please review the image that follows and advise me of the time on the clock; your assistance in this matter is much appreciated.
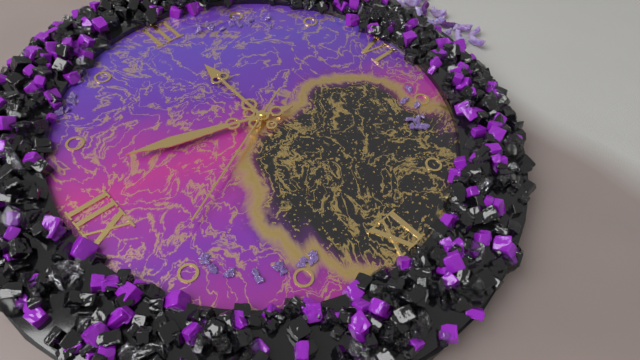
3:03:56
